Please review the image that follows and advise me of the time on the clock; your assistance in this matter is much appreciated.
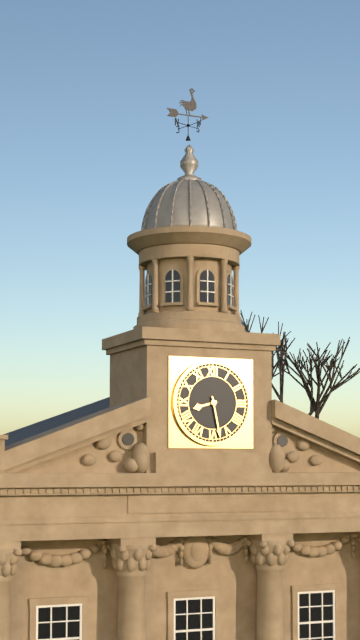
8:28
